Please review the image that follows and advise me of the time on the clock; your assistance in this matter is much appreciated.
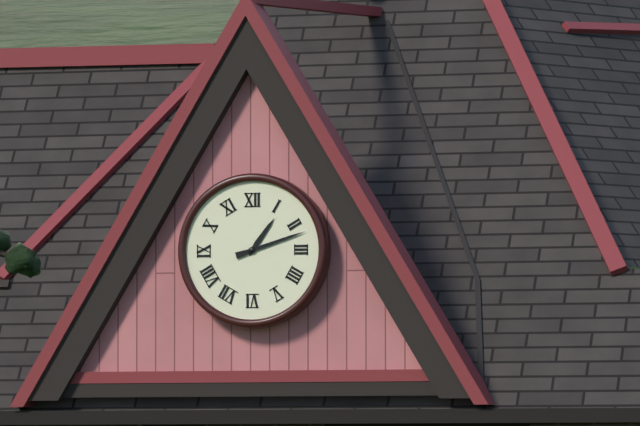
1:12
